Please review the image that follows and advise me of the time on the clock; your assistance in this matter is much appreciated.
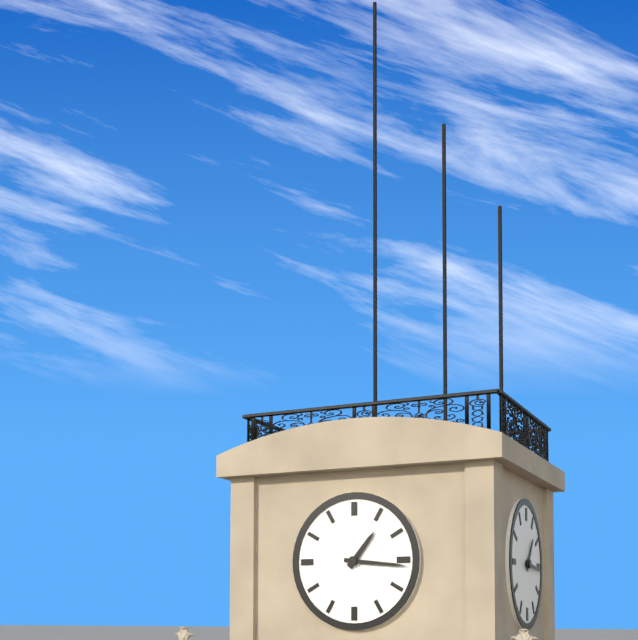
1:16
